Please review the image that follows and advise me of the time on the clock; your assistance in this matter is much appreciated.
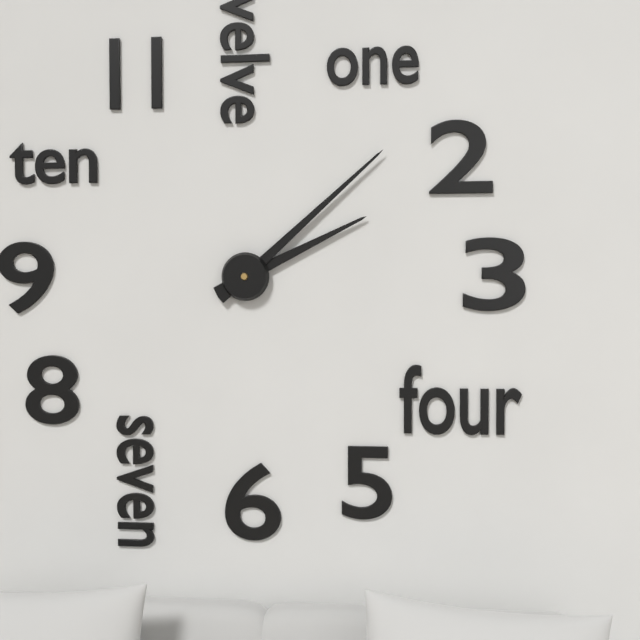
2:08
